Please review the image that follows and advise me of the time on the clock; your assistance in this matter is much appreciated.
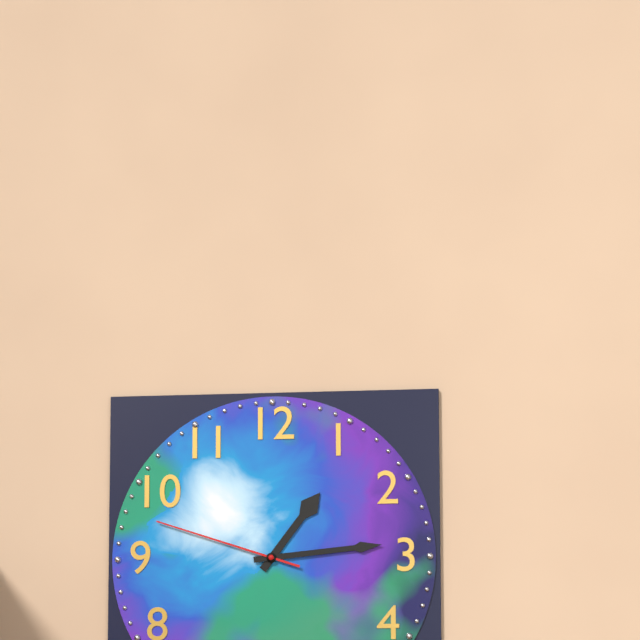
1:14:48
